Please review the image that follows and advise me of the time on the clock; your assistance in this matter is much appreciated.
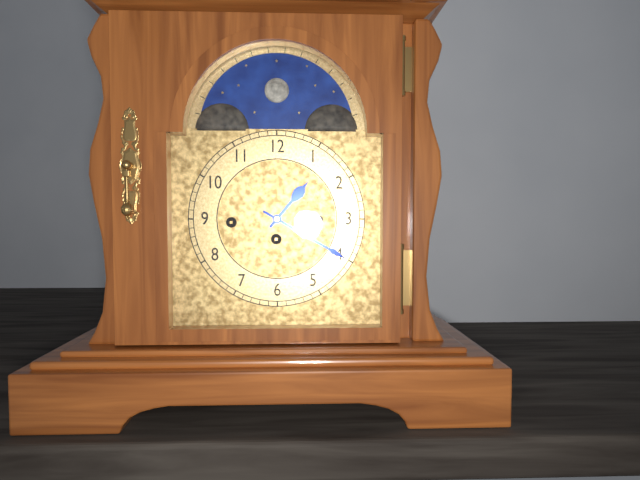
1:20
